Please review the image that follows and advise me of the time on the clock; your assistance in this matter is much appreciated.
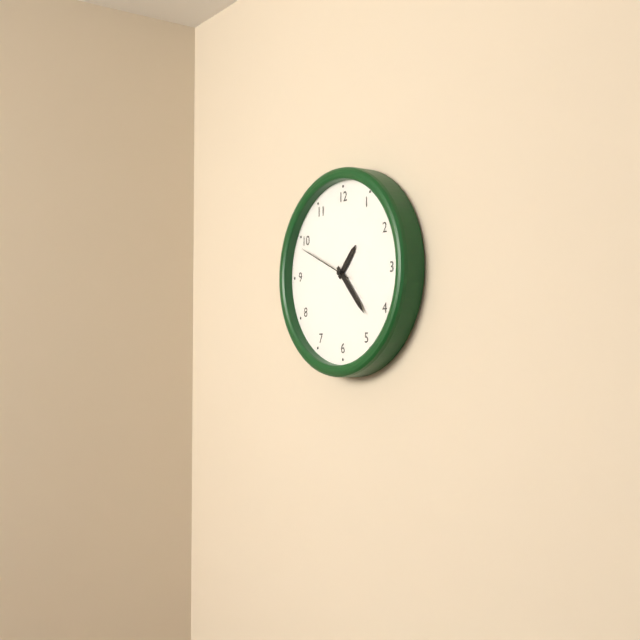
1:23:49
